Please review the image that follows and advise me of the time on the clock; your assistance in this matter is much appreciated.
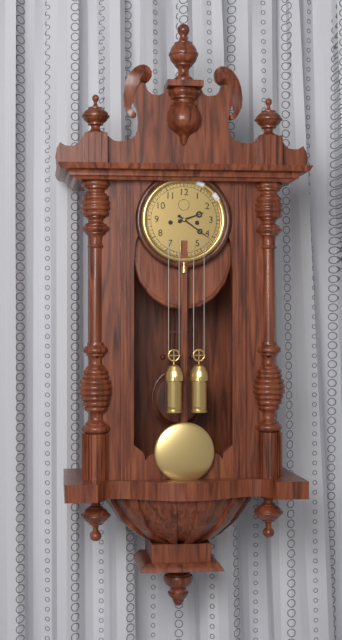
2:21
